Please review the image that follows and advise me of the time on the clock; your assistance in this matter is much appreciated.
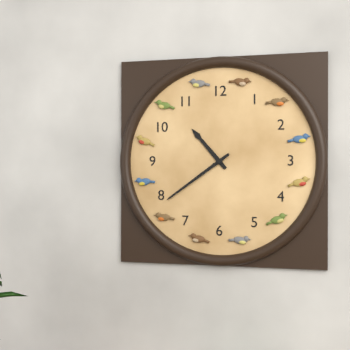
10:39
